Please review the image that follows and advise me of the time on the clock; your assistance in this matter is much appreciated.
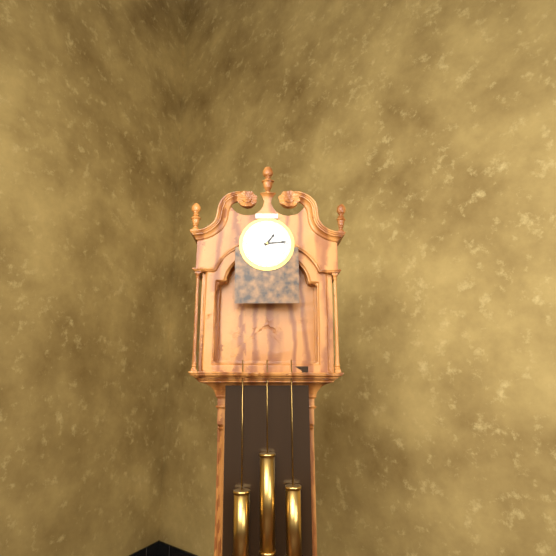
1:14
